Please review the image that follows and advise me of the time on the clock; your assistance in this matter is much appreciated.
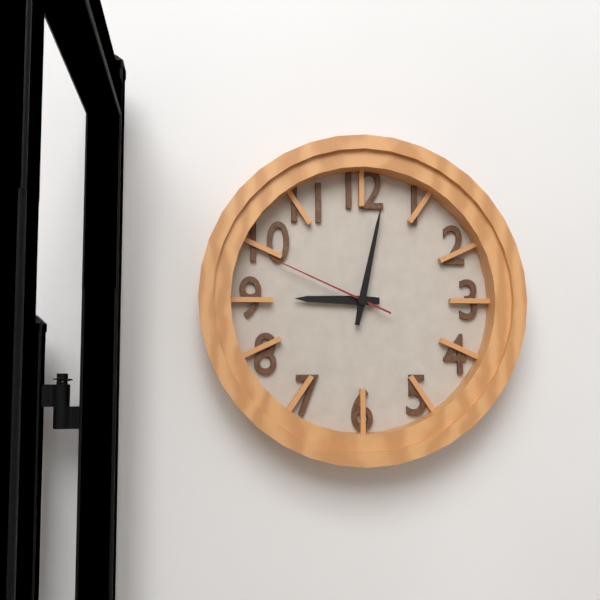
9:02:49
